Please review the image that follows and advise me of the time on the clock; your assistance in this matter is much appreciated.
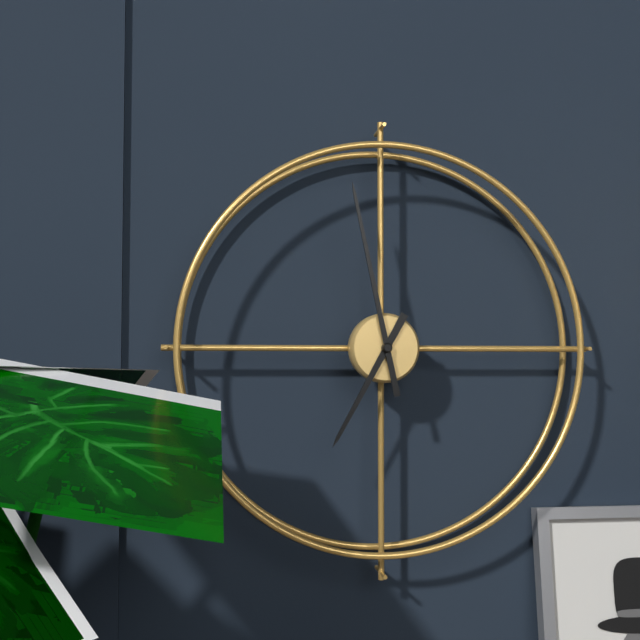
6:58
